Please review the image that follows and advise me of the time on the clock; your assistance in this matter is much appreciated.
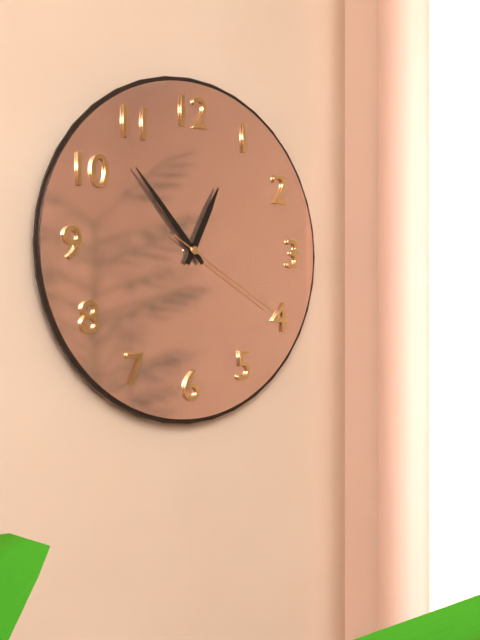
12:53:20
